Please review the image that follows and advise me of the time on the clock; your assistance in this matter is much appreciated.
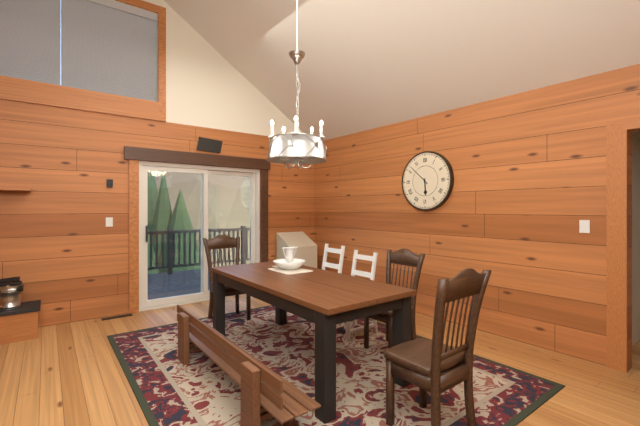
5:52
